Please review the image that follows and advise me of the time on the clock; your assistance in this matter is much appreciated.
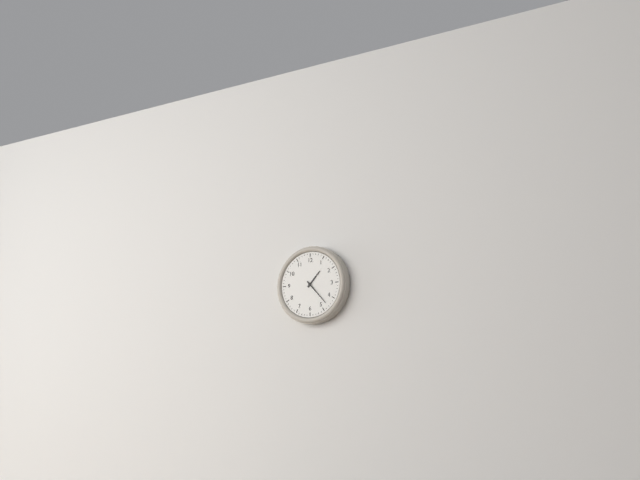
1:23
